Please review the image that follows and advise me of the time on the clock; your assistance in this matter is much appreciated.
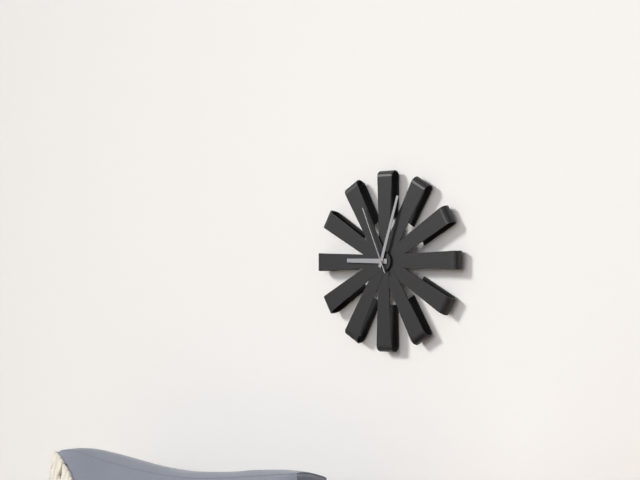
9:03:56
